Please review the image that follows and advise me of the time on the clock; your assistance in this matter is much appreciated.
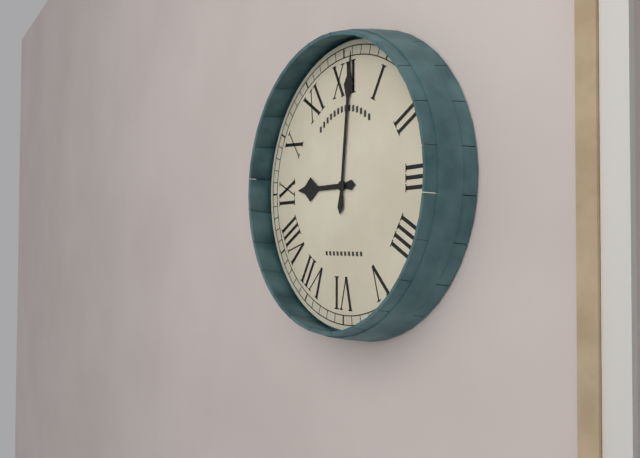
9:01
